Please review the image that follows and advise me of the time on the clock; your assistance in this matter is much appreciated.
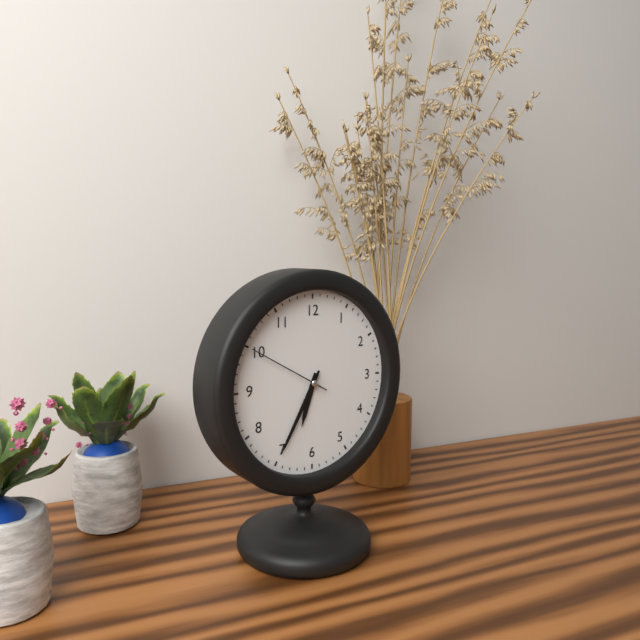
6:35:50
